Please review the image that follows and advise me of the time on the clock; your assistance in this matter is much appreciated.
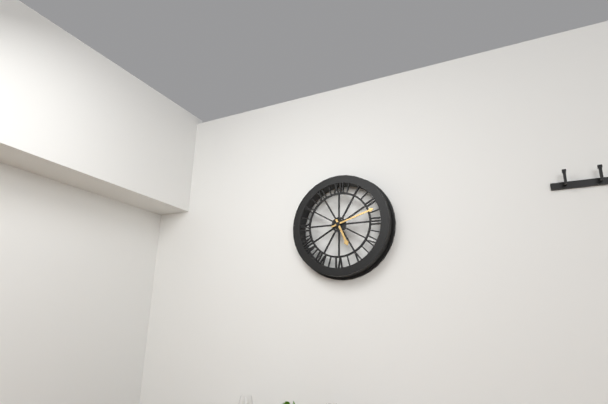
5:12
